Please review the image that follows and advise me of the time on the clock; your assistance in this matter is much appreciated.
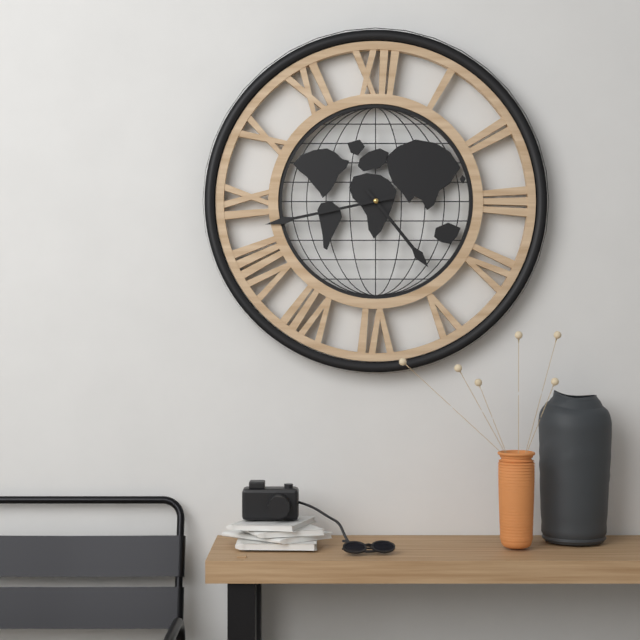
4:43
